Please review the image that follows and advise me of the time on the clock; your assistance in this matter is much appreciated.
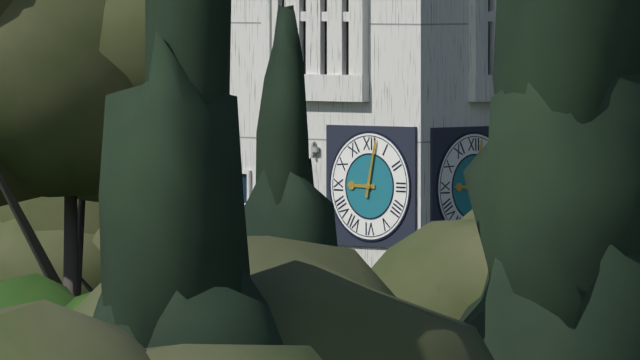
9:02
